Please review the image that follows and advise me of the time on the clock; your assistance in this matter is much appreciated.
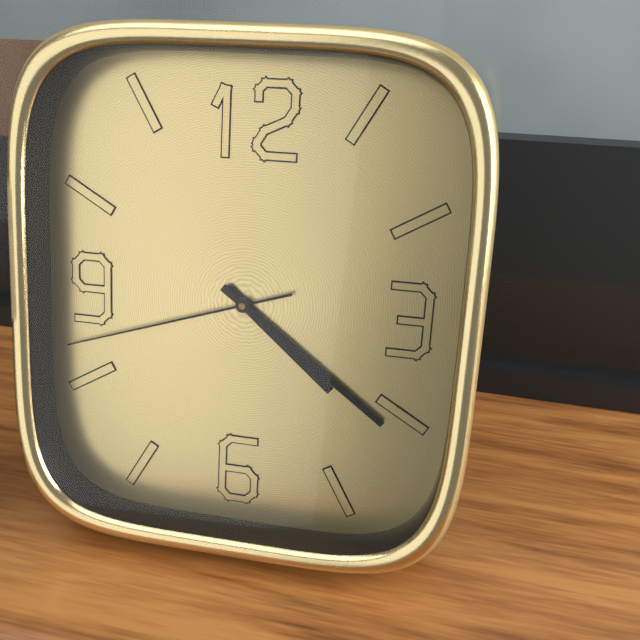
4:21:42
